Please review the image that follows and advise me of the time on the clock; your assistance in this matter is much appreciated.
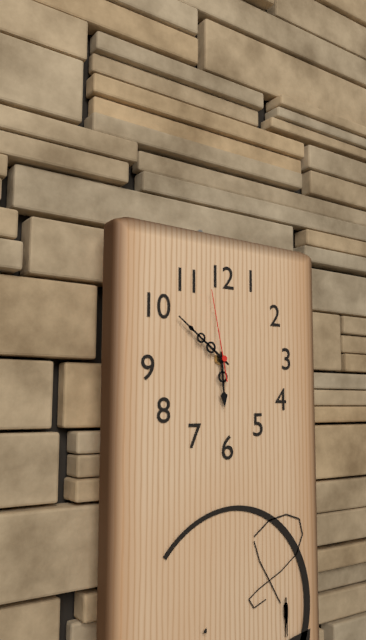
5:51:58
